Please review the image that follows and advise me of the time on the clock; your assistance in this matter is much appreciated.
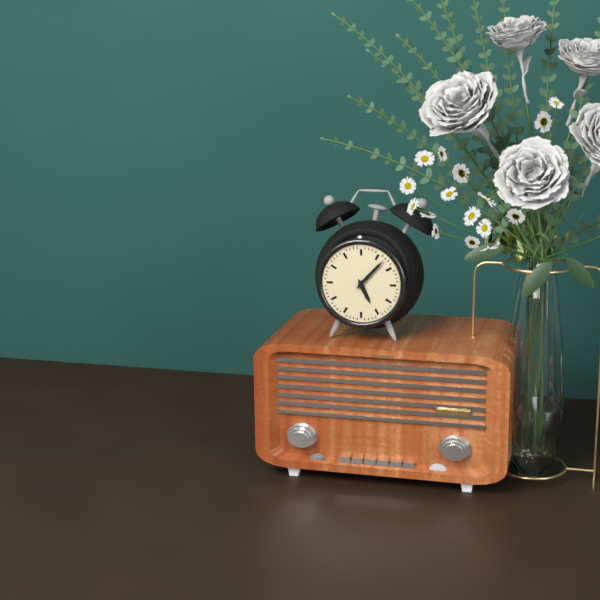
5:07
